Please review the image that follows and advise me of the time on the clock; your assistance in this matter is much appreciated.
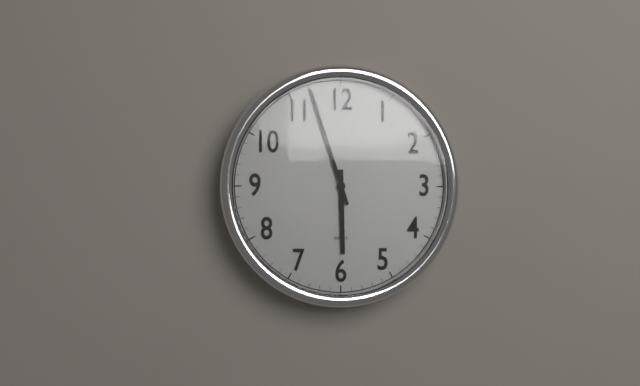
5:57
